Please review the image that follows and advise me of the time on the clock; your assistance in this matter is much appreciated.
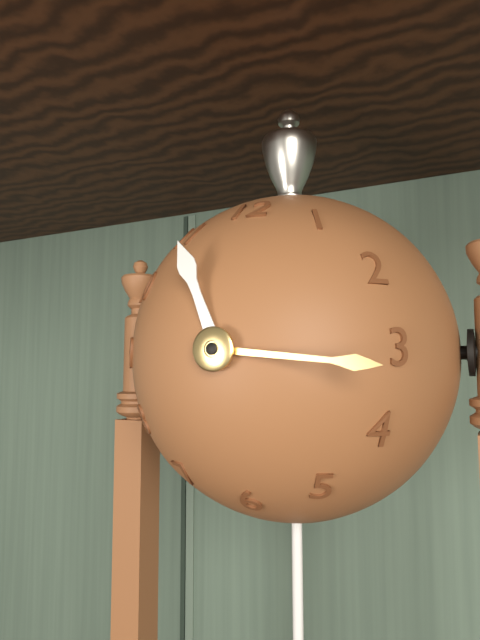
11:16
